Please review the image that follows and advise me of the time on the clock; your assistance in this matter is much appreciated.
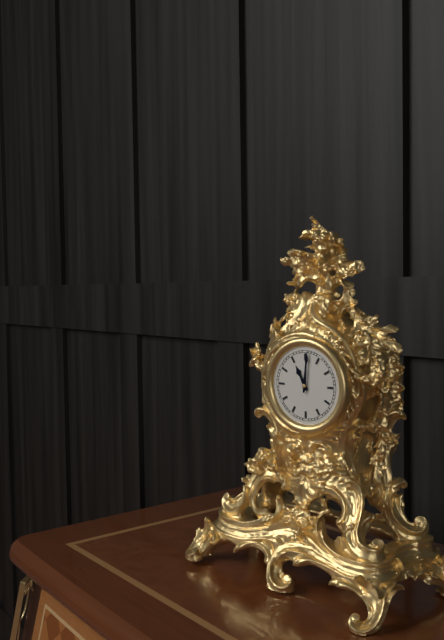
11:01
